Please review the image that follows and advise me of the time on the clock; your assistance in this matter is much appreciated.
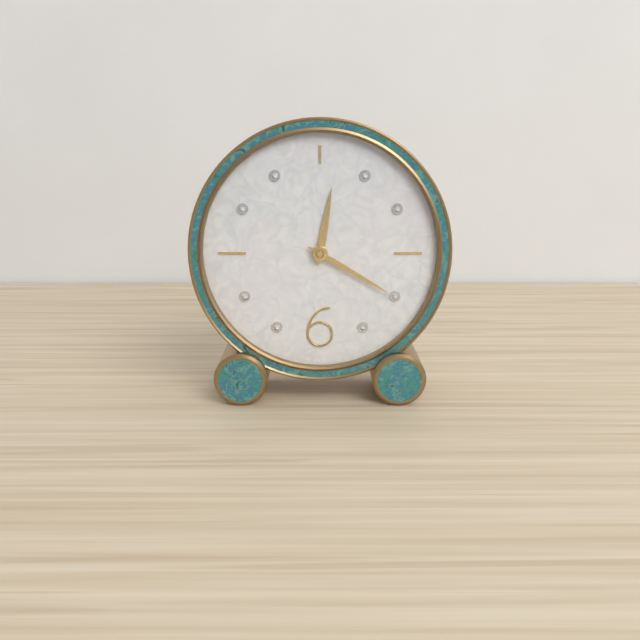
12:20
